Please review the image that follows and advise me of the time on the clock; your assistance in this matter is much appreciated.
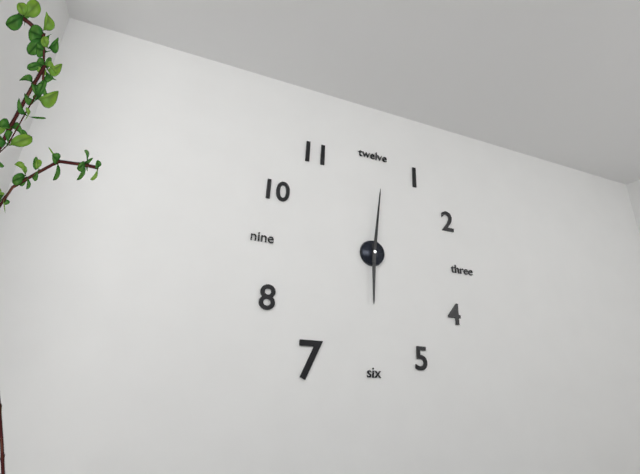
6:01
